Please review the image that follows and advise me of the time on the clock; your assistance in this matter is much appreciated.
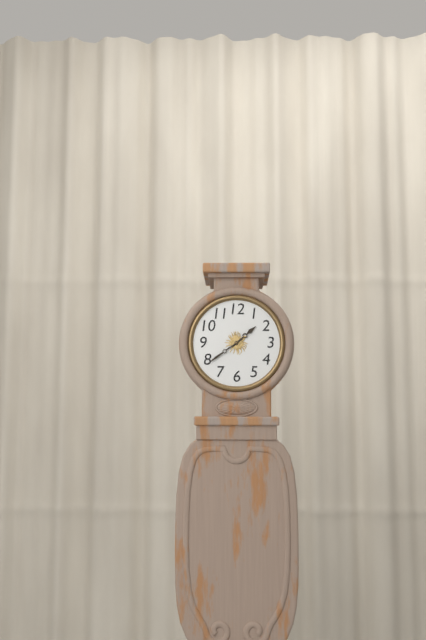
1:39
